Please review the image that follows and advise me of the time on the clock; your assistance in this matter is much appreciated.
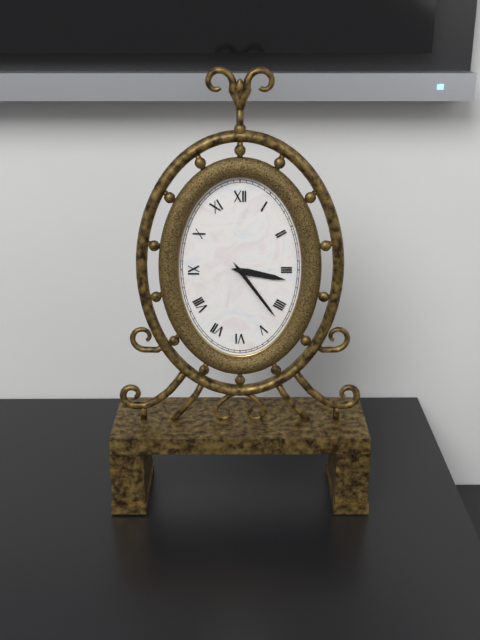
3:24
